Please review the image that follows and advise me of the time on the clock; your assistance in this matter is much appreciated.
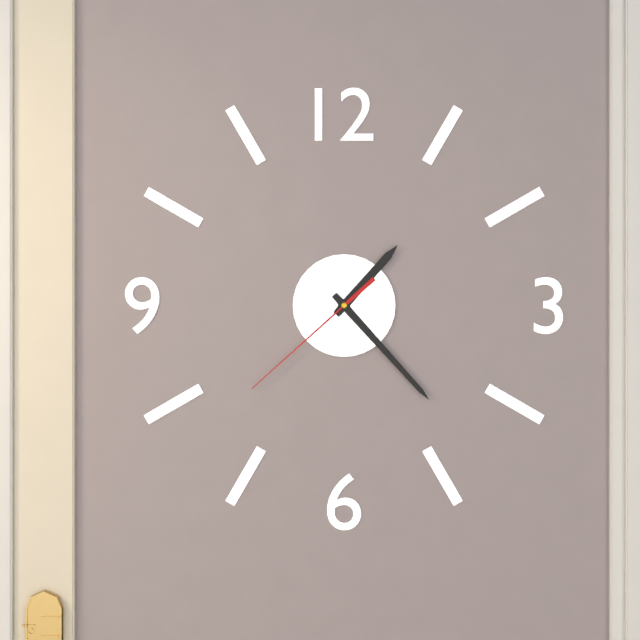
1:23:38
